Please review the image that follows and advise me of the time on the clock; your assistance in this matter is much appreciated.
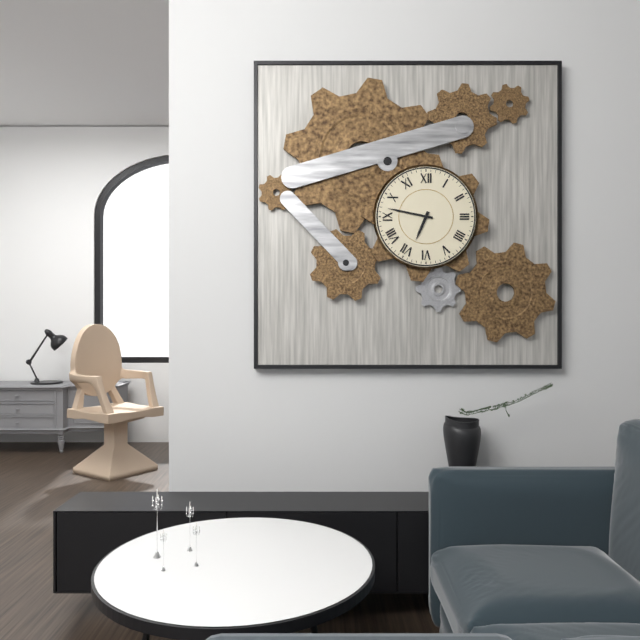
6:47
